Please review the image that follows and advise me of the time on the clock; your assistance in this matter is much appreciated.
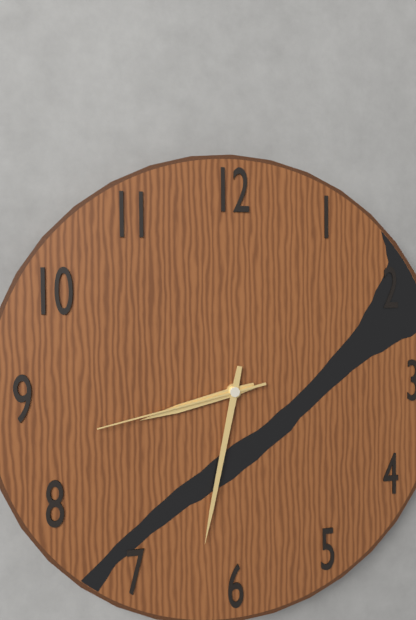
8:32:43
